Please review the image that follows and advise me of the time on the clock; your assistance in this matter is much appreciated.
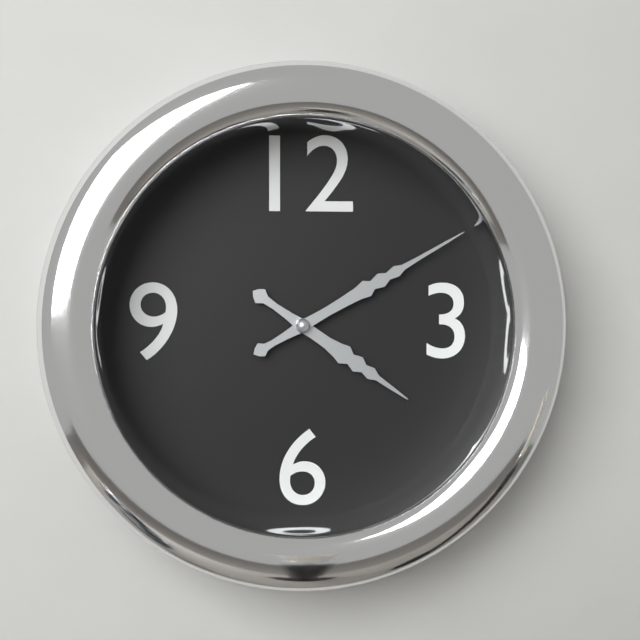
4:10
